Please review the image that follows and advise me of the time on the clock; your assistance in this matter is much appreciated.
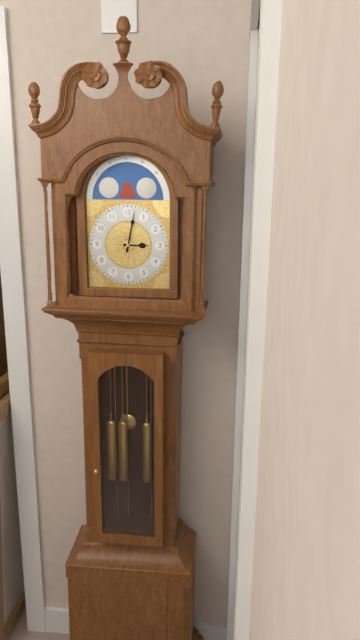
3:02
